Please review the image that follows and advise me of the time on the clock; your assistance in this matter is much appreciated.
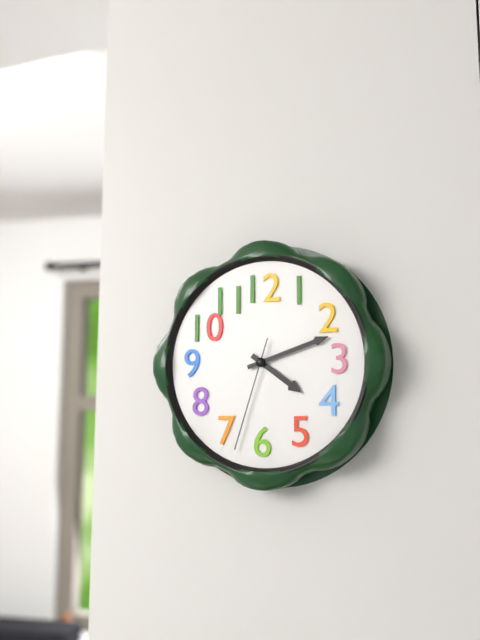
4:12:33
